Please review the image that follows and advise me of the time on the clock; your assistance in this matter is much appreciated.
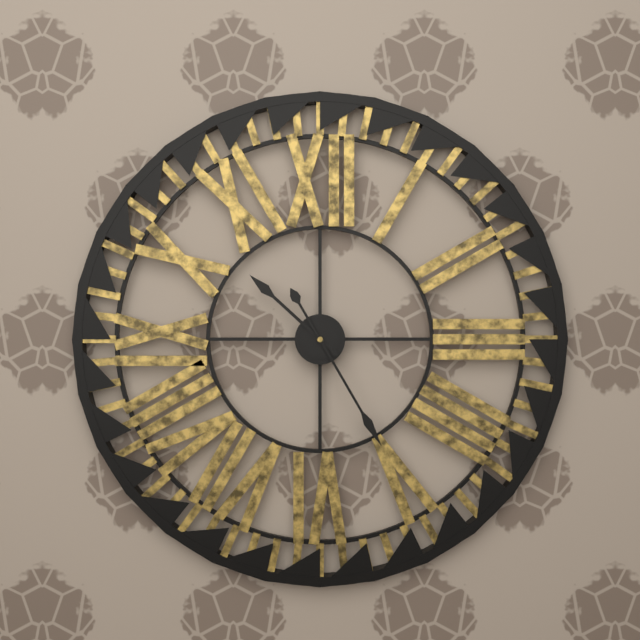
10:25
